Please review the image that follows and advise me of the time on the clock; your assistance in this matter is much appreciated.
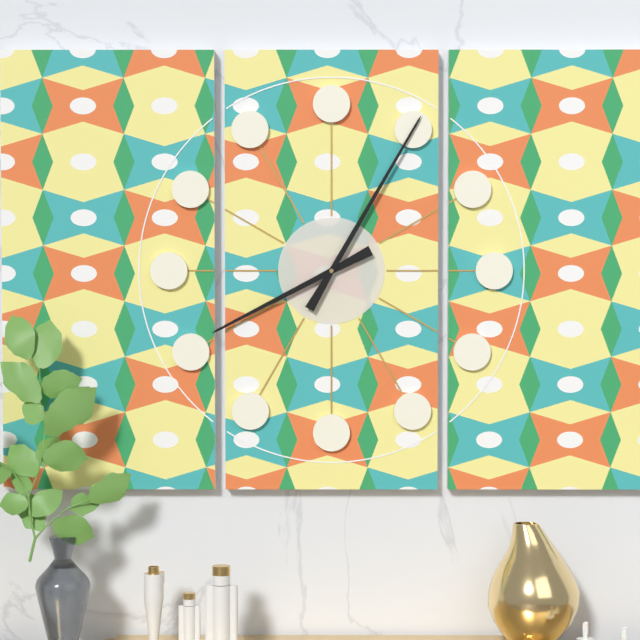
8:05
